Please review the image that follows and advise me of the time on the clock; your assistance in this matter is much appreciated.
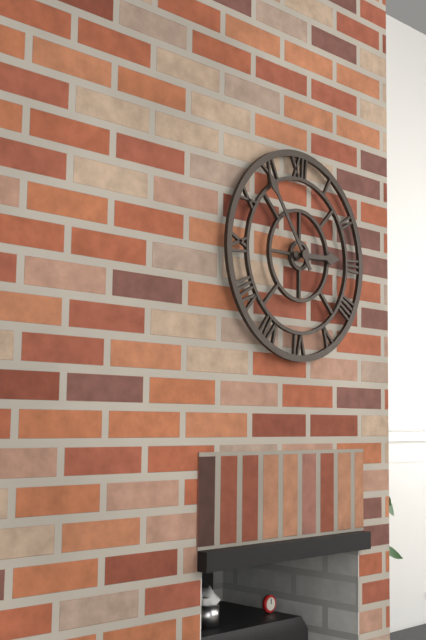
2:54
